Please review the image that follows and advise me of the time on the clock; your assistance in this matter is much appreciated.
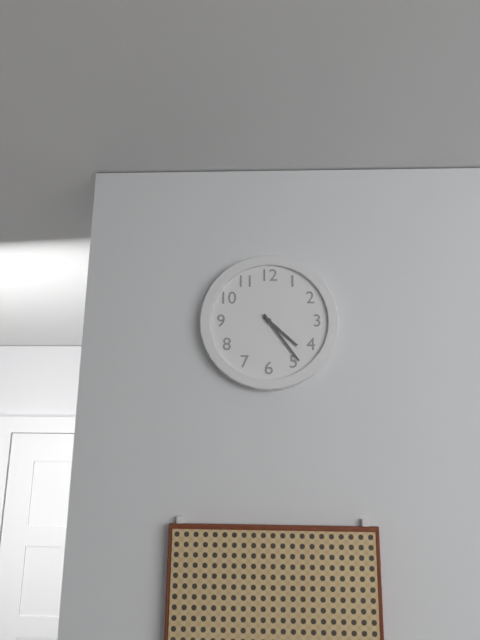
4:24
